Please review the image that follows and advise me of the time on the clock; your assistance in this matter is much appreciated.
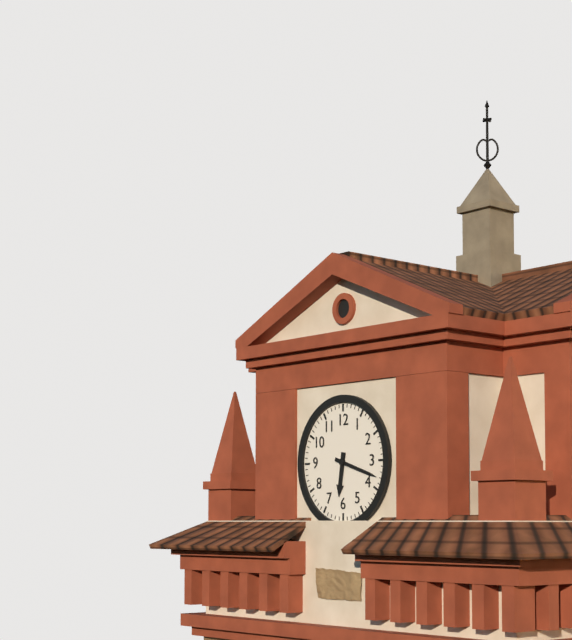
6:18
